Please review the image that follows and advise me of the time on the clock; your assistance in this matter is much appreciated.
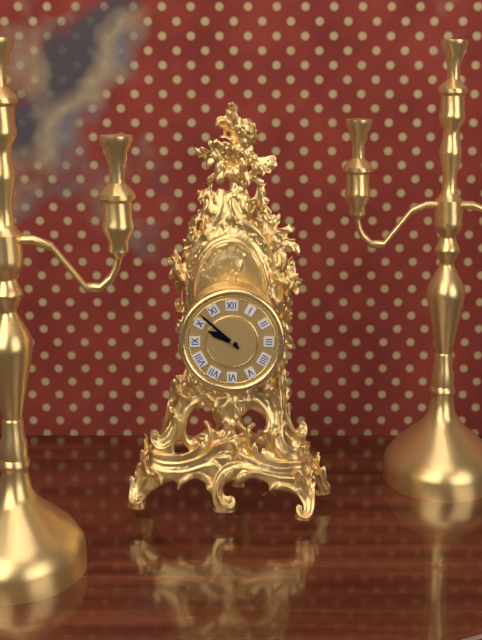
9:52
